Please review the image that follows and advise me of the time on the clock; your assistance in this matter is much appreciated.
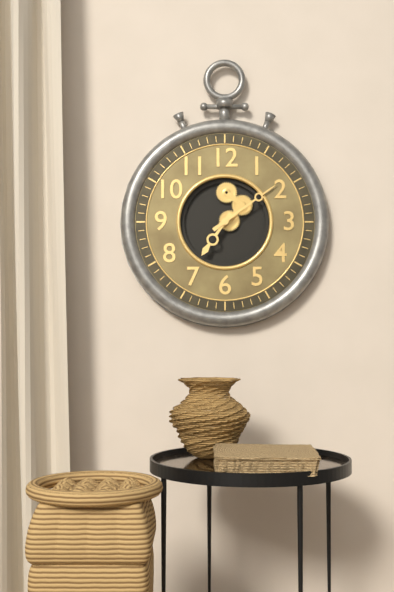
7:09
